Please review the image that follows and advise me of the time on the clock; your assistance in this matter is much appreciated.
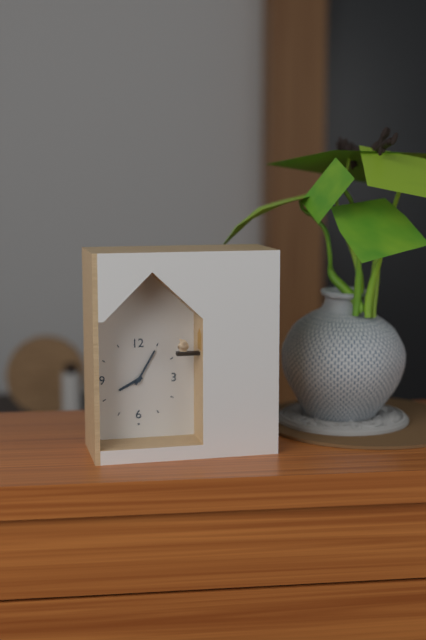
8:05
